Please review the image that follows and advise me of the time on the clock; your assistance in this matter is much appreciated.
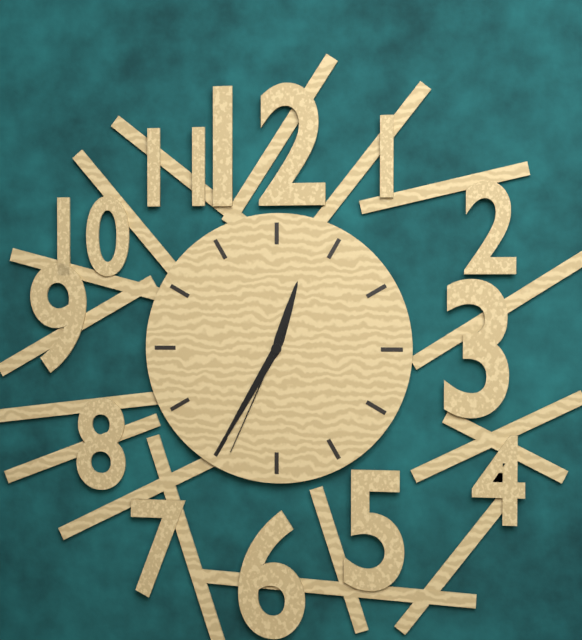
12:35:34
